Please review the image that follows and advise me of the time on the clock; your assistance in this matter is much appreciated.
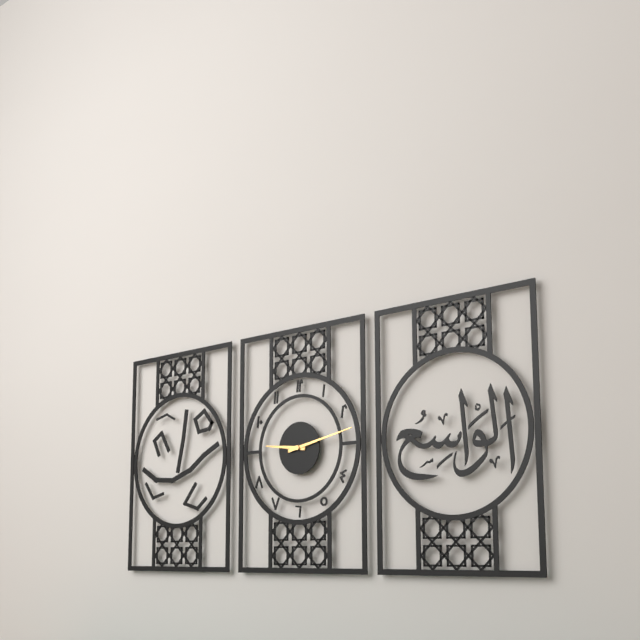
9:13
